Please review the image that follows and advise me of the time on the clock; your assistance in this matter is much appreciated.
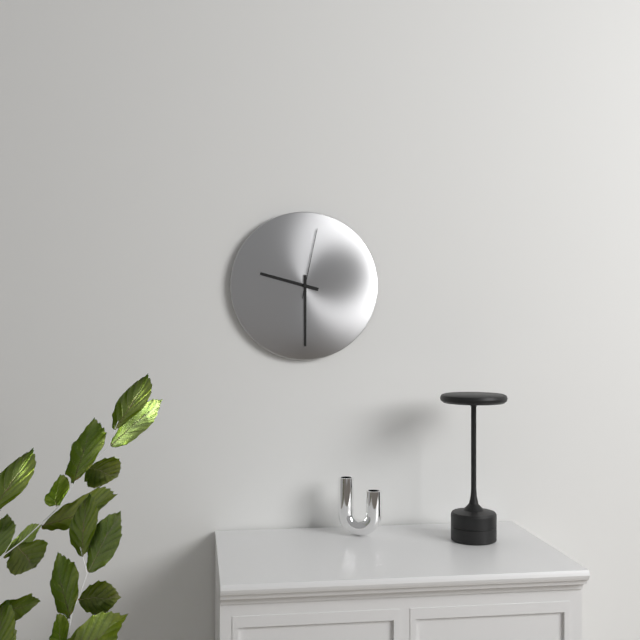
9:30:02
